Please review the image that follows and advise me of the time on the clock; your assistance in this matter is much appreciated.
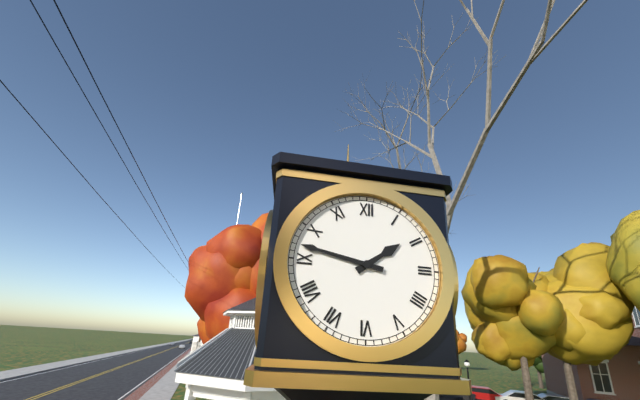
1:47
